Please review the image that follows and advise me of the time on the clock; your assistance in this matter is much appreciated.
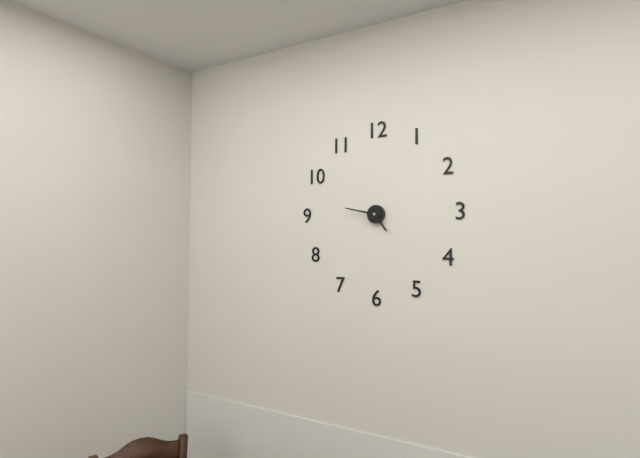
4:47
